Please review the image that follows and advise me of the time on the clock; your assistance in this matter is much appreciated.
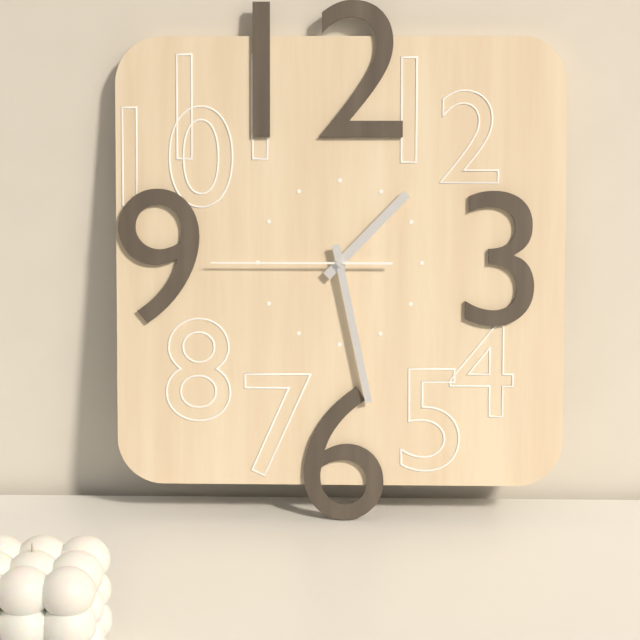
1:28:45
